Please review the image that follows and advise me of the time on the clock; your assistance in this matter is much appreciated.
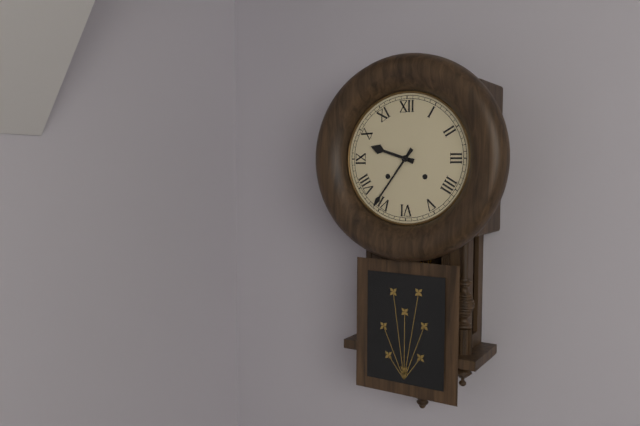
9:36
